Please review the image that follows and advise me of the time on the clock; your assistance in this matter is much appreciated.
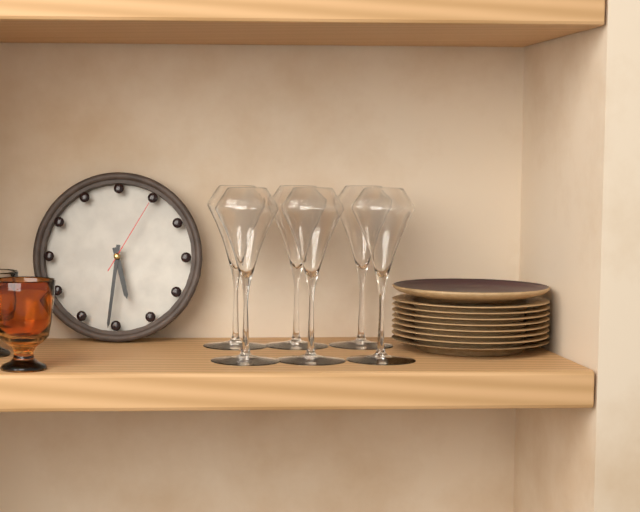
5:31:05
